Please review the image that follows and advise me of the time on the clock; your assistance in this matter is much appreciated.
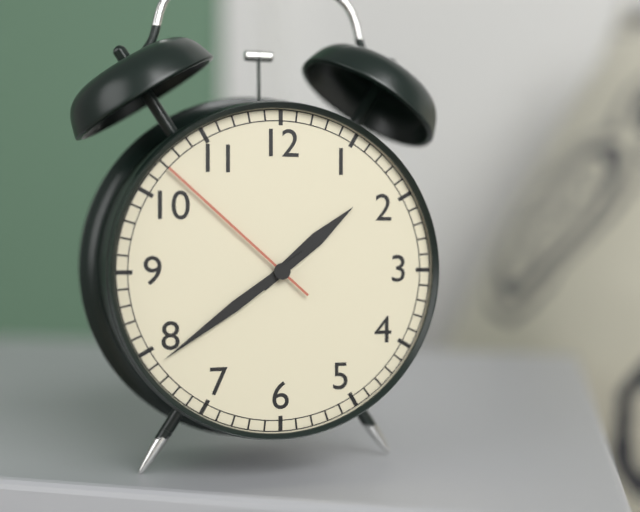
1:39:52
